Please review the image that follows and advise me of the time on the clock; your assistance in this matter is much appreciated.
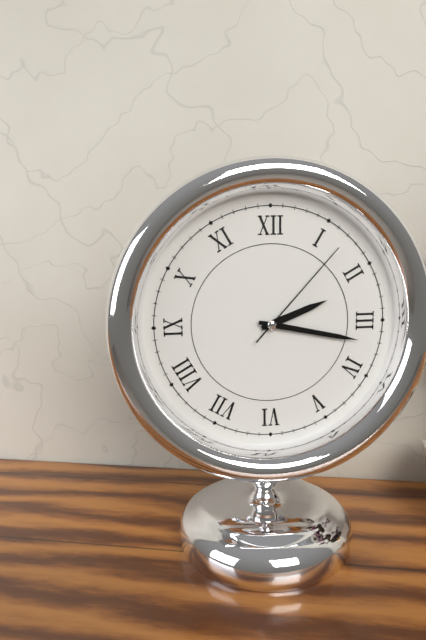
2:17:07
